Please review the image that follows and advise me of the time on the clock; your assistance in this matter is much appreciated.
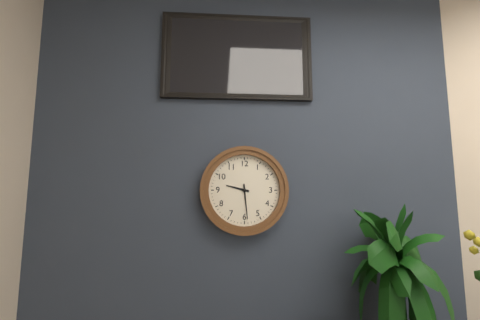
9:29
